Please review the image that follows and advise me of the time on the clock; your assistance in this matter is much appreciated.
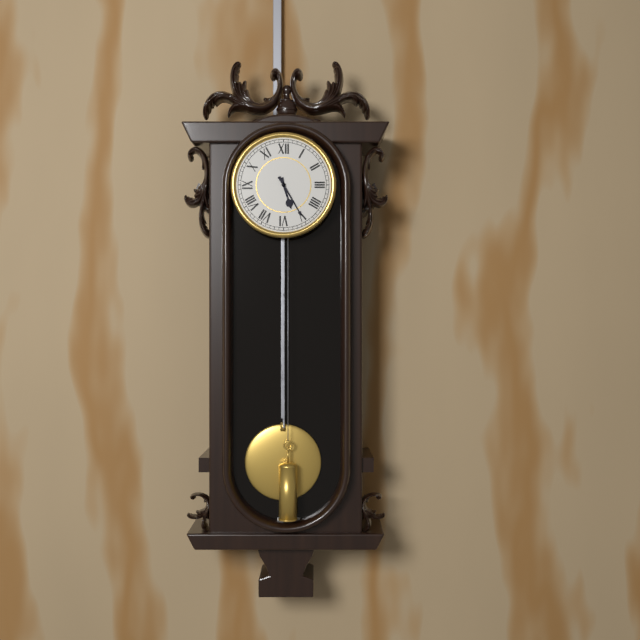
5:25
